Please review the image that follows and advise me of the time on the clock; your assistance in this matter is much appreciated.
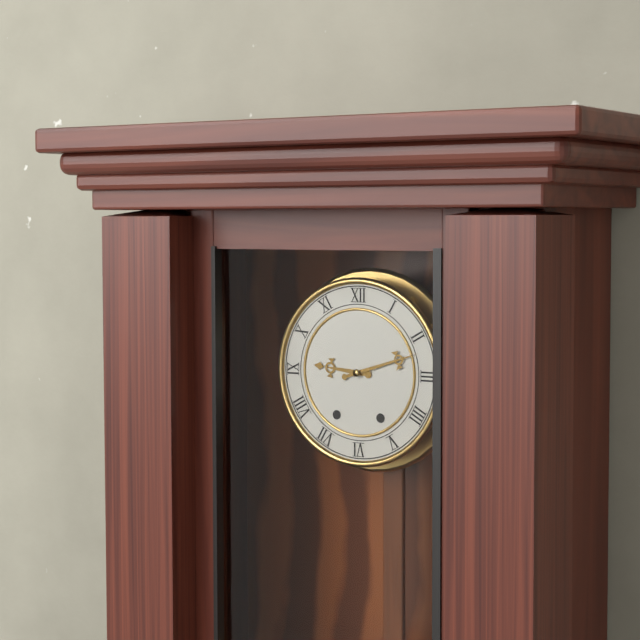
9:12
